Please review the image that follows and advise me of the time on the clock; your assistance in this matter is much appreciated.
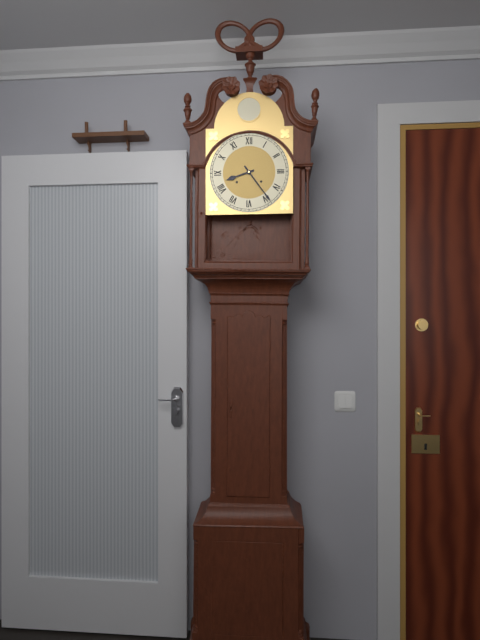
8:24
